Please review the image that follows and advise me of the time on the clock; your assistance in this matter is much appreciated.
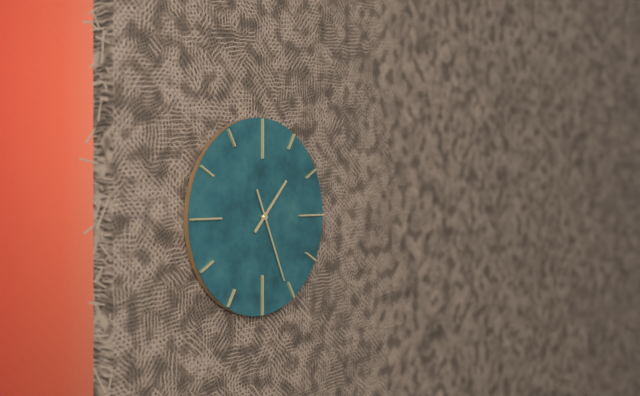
1:26
